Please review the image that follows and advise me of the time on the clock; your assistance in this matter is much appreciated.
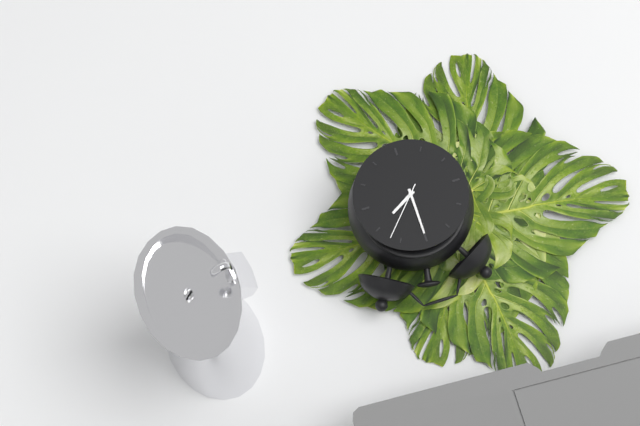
2:00:07
